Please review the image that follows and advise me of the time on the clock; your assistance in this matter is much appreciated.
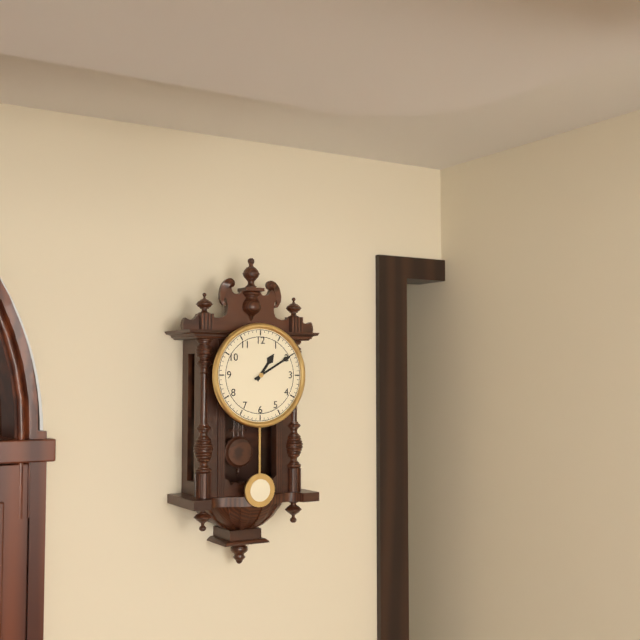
1:10
